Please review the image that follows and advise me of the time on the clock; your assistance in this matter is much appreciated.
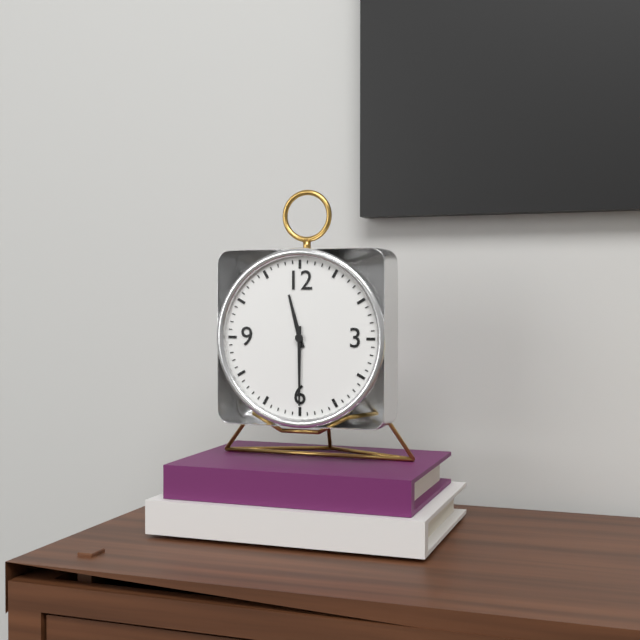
11:30
